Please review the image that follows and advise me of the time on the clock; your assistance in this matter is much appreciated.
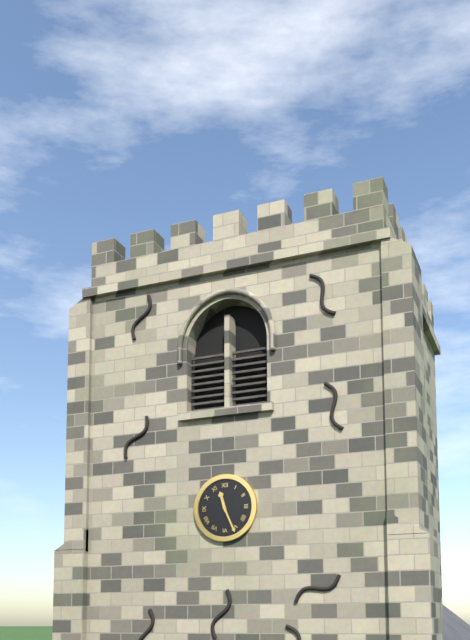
11:26
